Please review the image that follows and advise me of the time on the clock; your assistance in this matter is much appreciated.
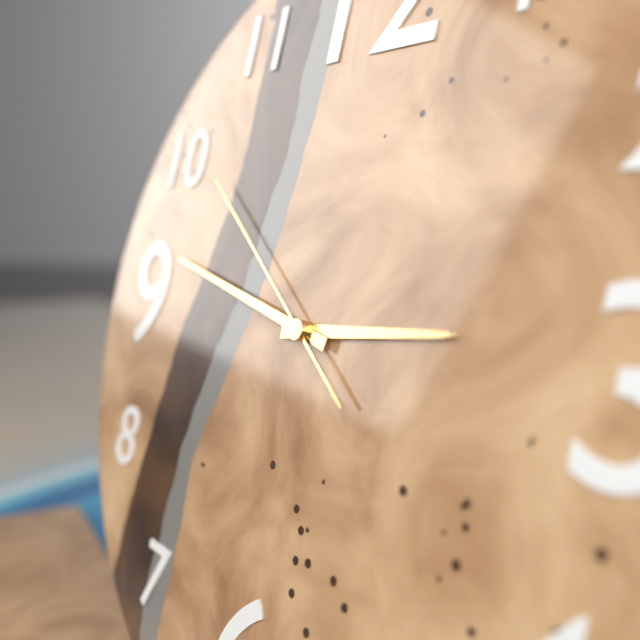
2:47:51
